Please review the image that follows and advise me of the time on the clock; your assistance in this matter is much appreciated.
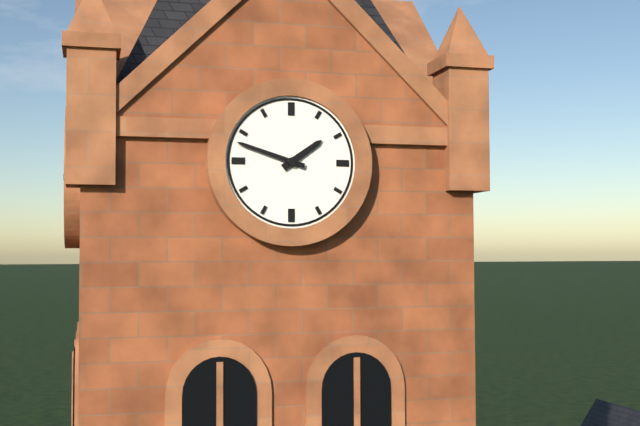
1:48
